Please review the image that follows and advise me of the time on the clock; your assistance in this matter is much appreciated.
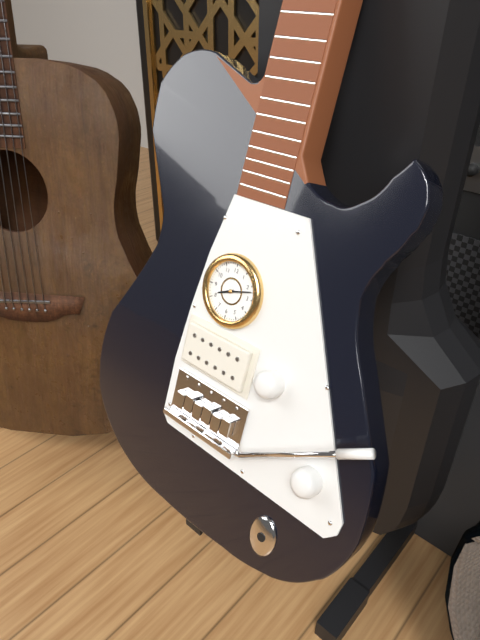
8:12
